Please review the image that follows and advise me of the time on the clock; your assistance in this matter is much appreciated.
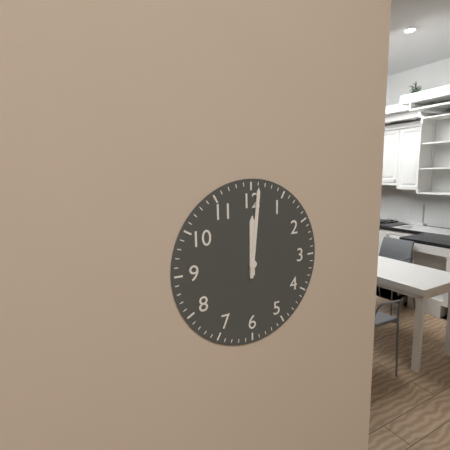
12:01
